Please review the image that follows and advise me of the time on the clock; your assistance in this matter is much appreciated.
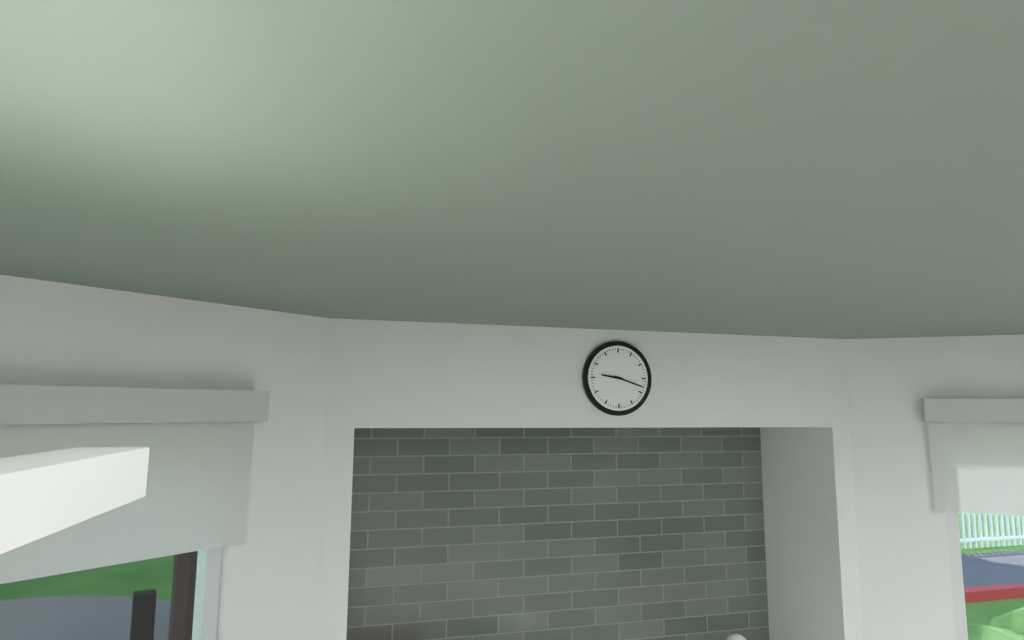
9:18
